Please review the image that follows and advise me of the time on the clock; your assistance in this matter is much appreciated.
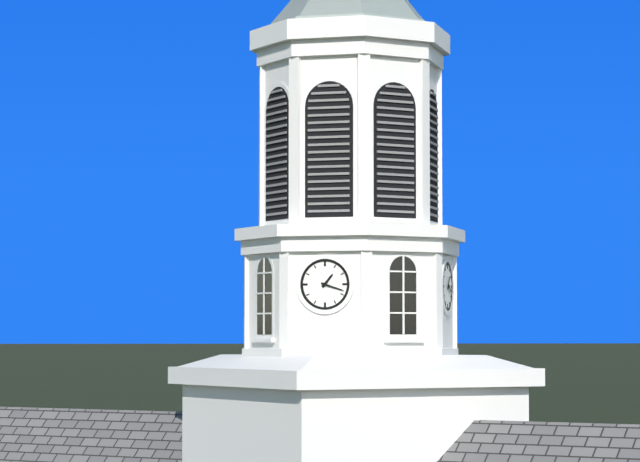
1:18
